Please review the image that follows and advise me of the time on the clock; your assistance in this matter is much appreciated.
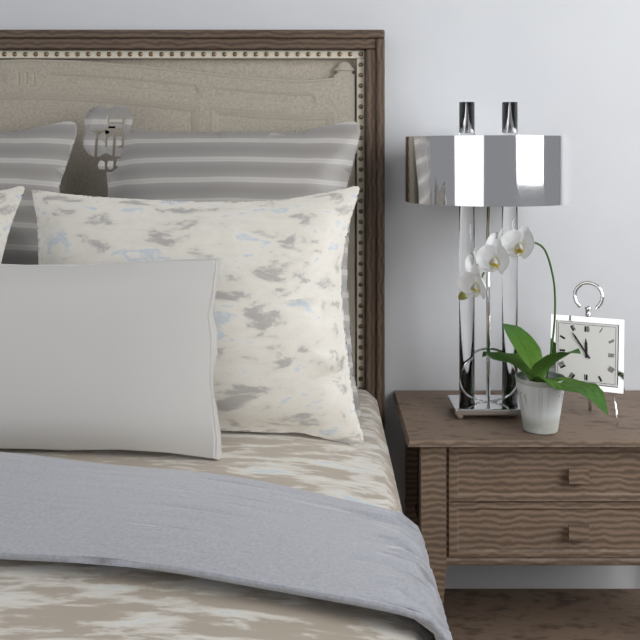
11:54
